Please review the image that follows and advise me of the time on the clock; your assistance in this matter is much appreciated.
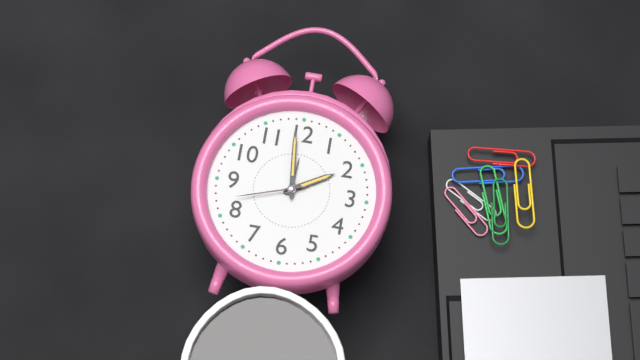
1:59:42
